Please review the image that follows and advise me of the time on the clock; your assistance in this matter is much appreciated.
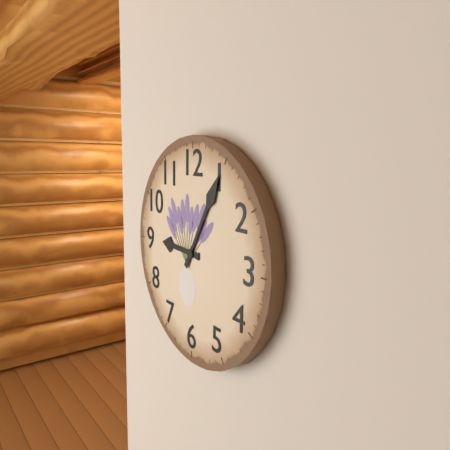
9:05
